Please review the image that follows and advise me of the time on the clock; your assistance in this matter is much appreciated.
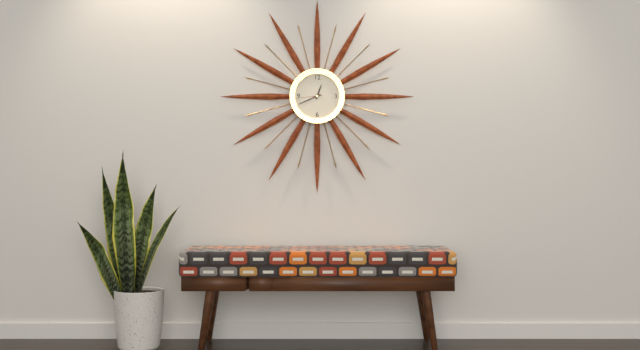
12:41
